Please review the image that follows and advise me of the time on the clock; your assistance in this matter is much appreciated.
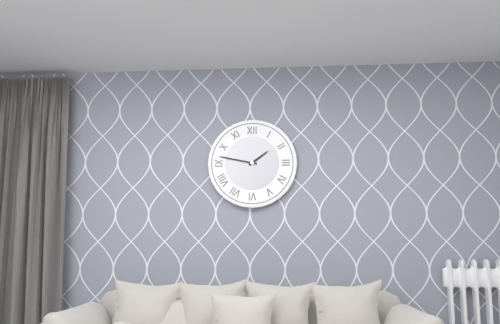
1:47
